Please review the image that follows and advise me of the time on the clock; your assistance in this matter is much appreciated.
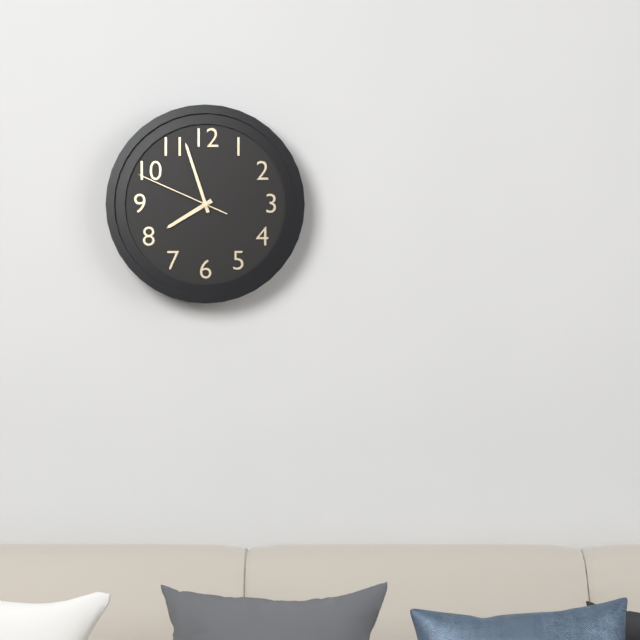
7:57:49
